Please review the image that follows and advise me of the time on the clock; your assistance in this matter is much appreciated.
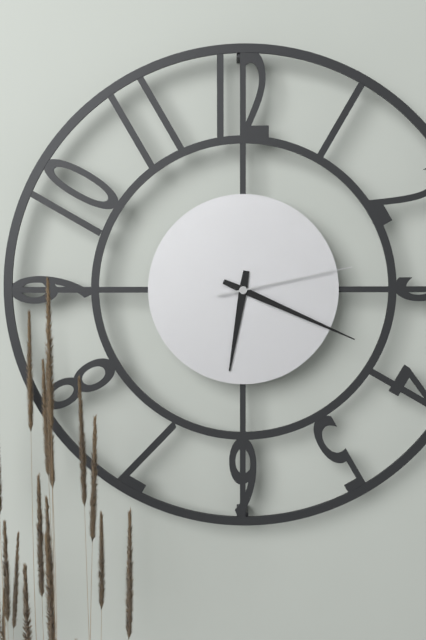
6:19:13
